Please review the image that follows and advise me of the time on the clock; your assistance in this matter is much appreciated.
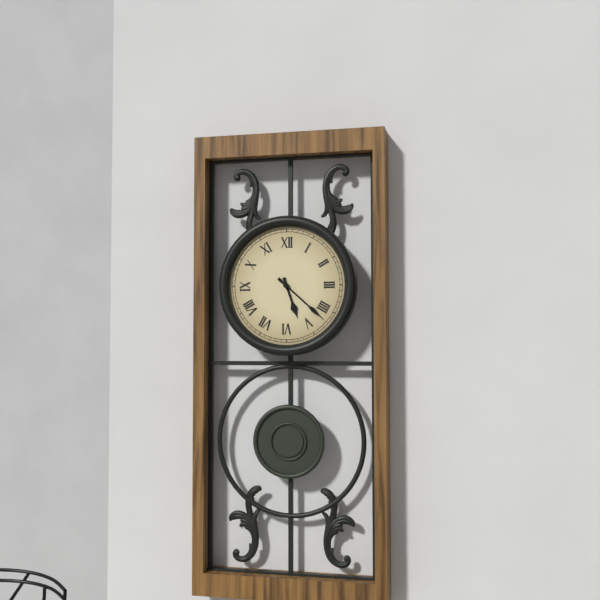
5:22
